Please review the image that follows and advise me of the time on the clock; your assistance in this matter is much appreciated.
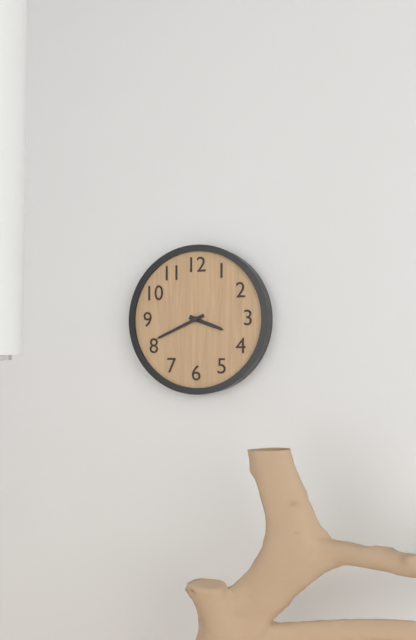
3:41
